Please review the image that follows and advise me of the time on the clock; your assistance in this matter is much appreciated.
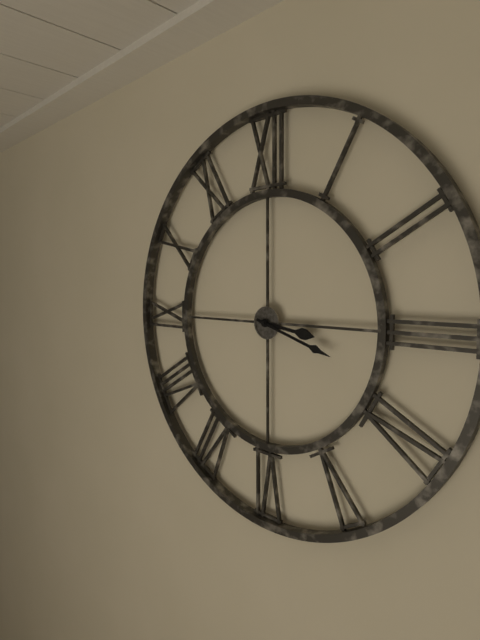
3:18
